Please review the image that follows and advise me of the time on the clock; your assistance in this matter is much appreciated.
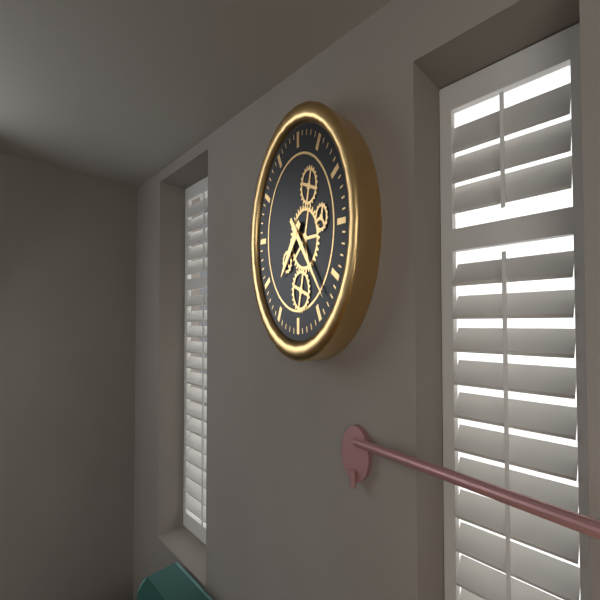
7:23
